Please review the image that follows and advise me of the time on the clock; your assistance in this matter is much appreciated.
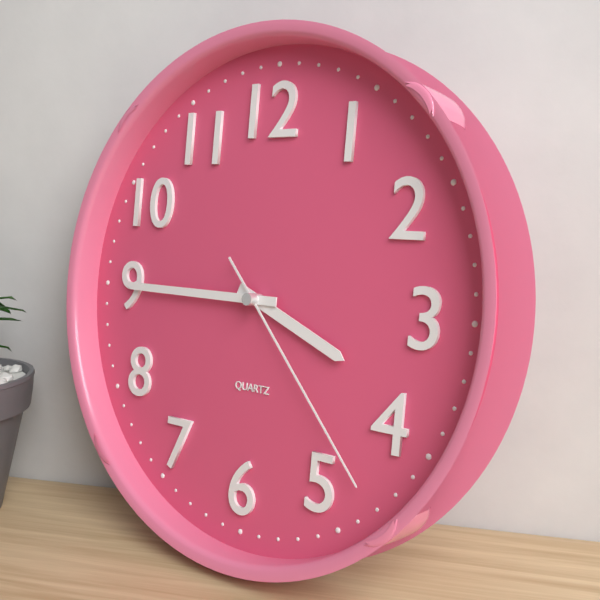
3:45:23
